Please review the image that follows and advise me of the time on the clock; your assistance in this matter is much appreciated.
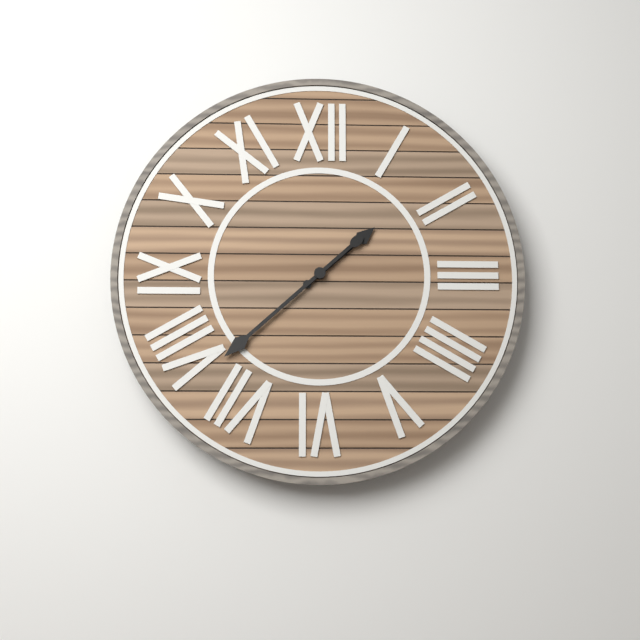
1:38
